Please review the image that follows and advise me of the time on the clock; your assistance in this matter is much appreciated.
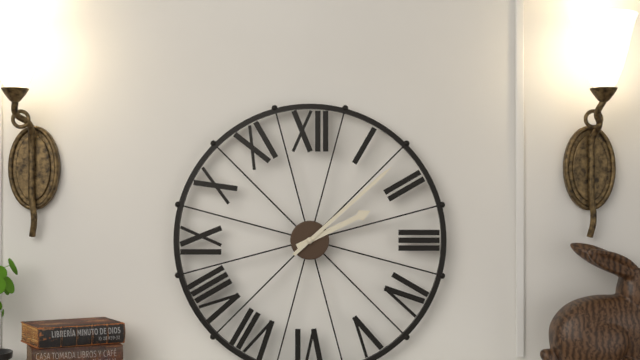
2:08
